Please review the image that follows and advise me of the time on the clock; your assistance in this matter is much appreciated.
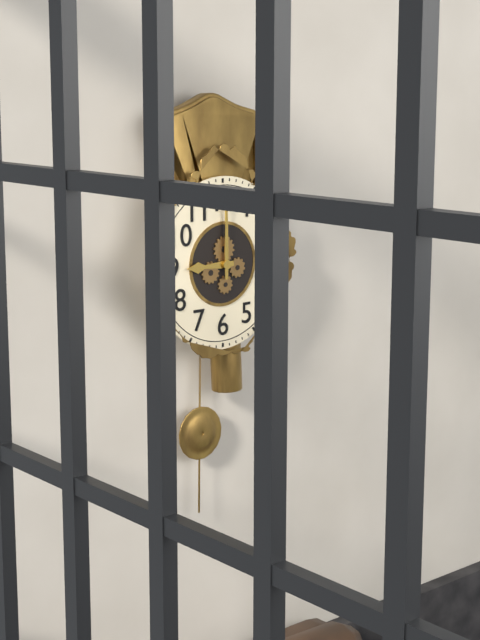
9:00
